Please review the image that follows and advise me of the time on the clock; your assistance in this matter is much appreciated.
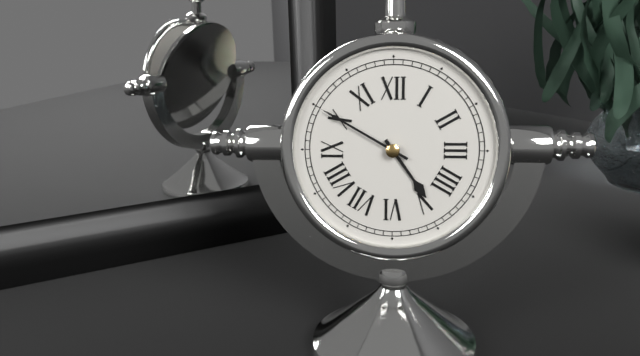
4:50
